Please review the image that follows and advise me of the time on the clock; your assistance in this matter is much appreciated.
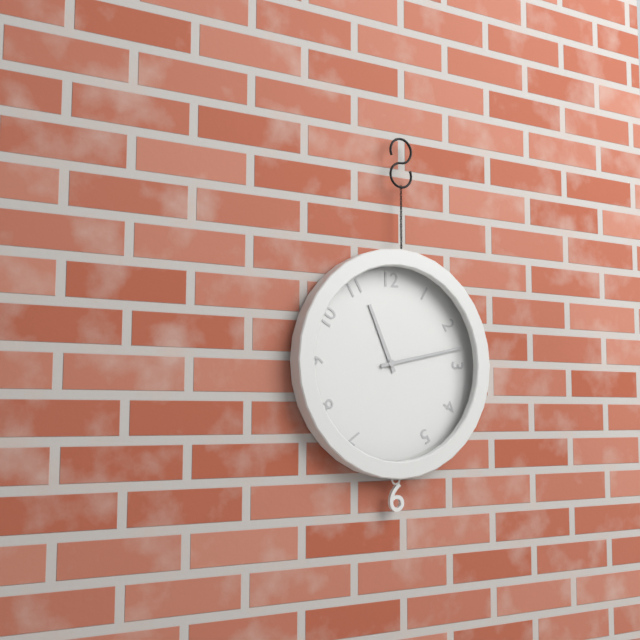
11:13
